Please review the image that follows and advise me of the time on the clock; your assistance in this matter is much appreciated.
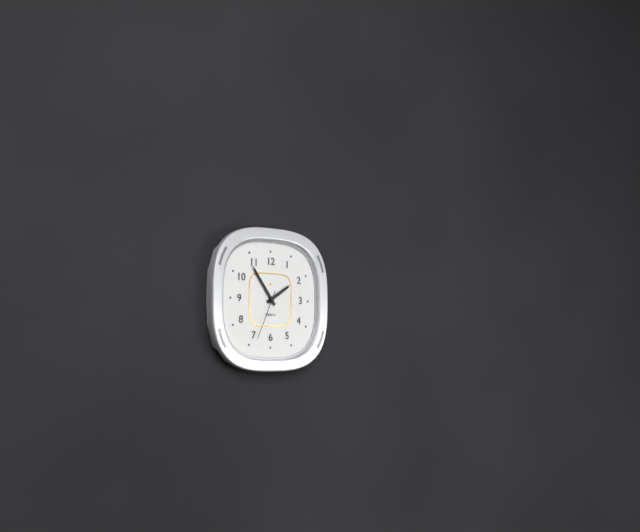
1:54:34
